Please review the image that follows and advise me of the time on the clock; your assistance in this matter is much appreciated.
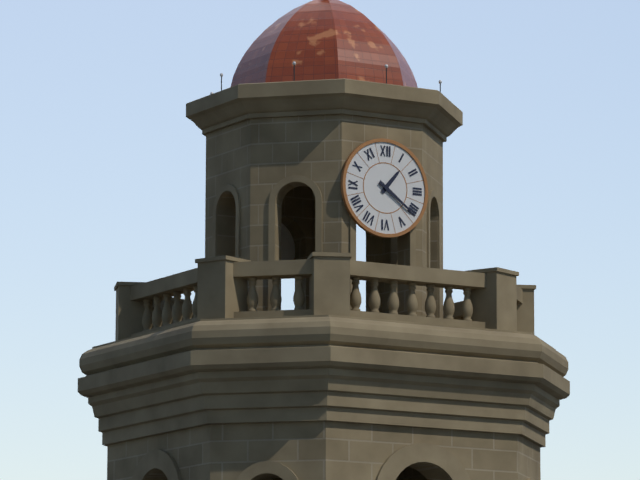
1:21
